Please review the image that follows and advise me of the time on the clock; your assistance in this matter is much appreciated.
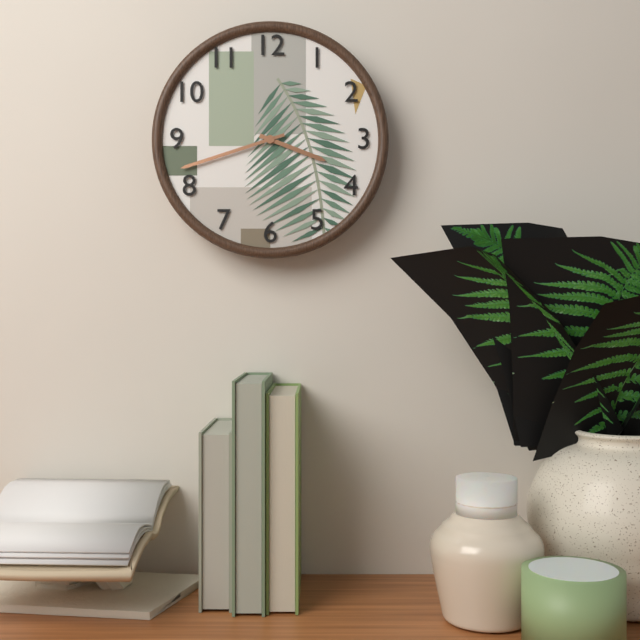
3:42
